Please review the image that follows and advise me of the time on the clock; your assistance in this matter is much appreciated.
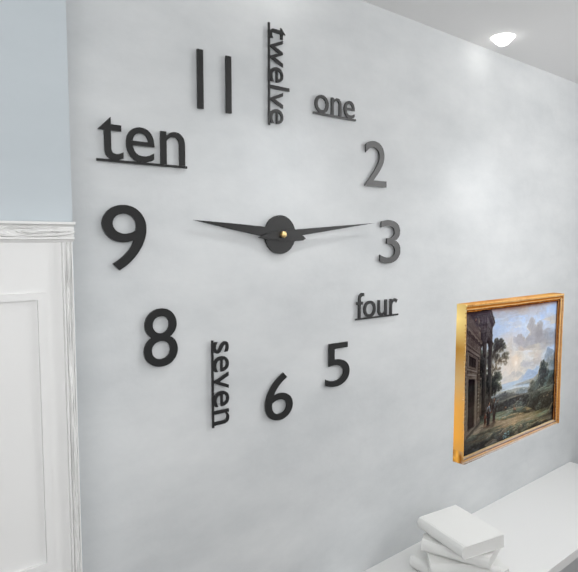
9:14
